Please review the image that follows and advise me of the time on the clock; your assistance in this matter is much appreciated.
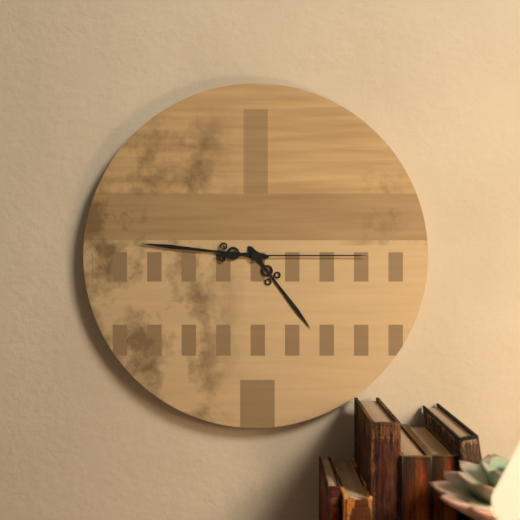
4:46:15
